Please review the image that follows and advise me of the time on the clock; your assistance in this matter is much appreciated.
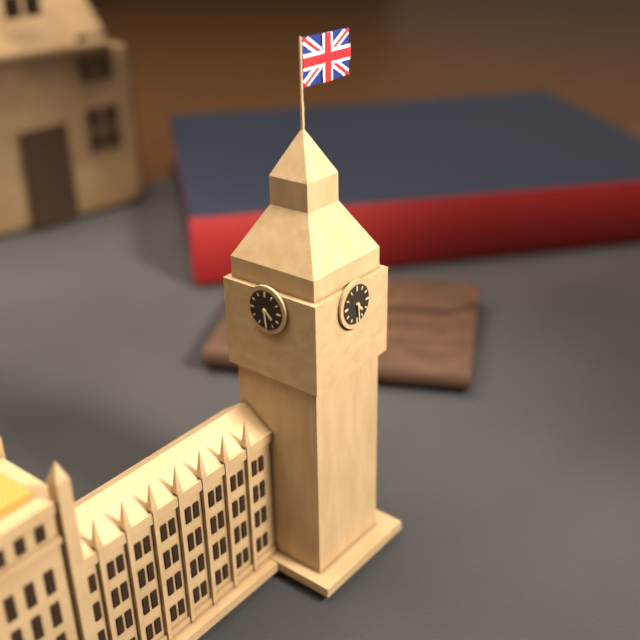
4:29
